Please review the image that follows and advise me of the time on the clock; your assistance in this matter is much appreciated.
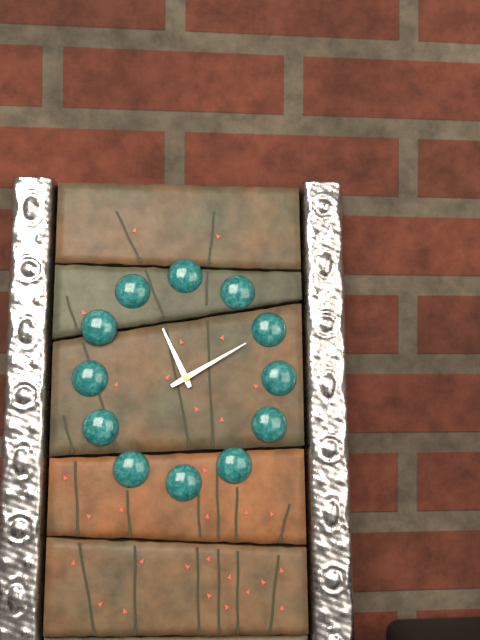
11:10
